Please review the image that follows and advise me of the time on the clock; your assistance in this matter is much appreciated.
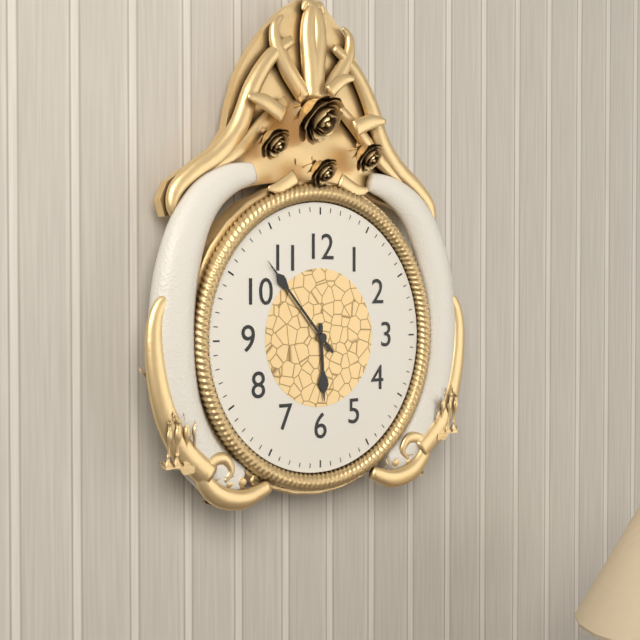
5:53
